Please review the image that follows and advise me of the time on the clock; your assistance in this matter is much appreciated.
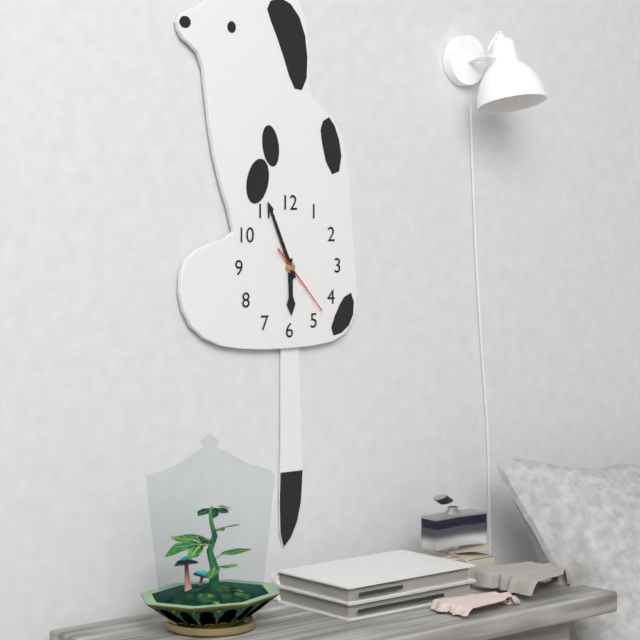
5:56:23
